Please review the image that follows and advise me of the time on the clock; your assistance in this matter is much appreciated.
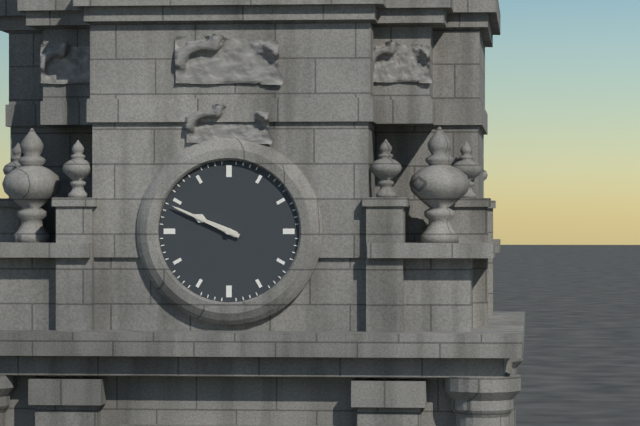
9:49
